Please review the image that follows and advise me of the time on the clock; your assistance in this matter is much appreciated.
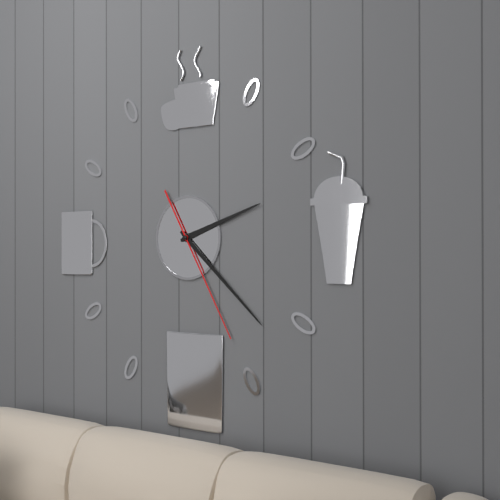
2:22:25
